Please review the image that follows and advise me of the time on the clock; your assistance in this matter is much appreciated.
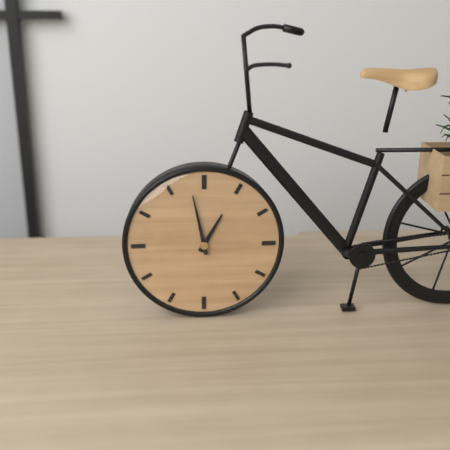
12:58
